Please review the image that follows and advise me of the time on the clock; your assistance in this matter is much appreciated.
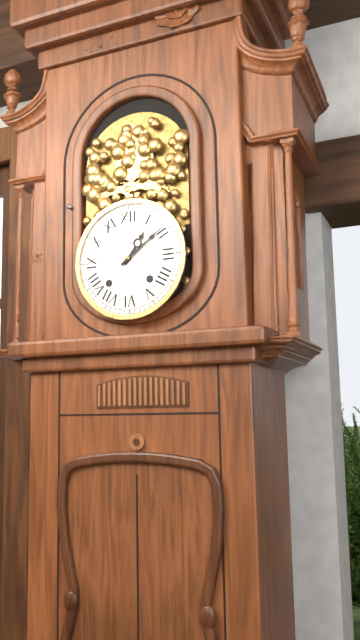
1:09
